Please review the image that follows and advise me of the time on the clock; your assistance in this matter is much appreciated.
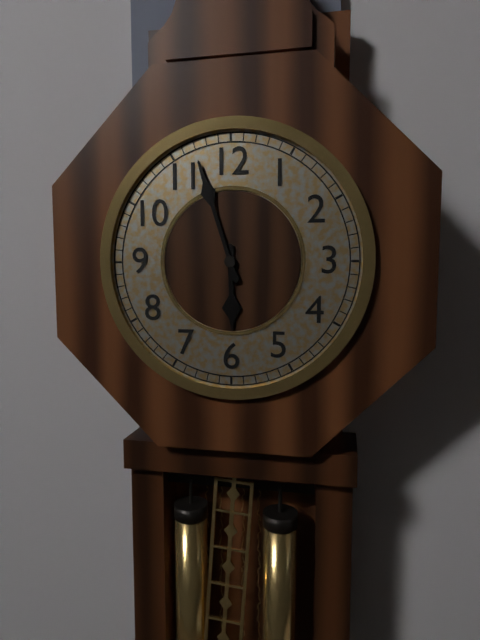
5:57
